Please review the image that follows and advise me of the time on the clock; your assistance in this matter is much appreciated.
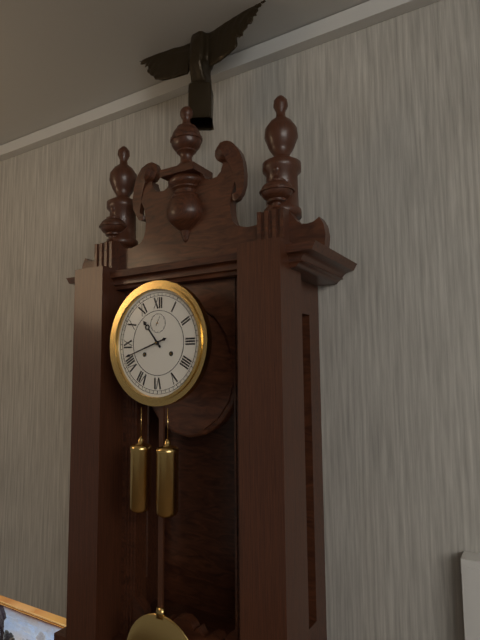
10:42
